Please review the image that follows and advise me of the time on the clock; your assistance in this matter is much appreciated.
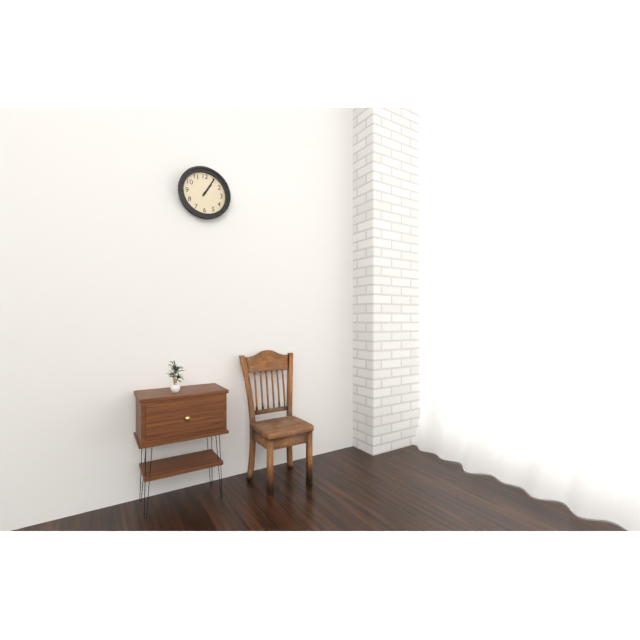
1:05
